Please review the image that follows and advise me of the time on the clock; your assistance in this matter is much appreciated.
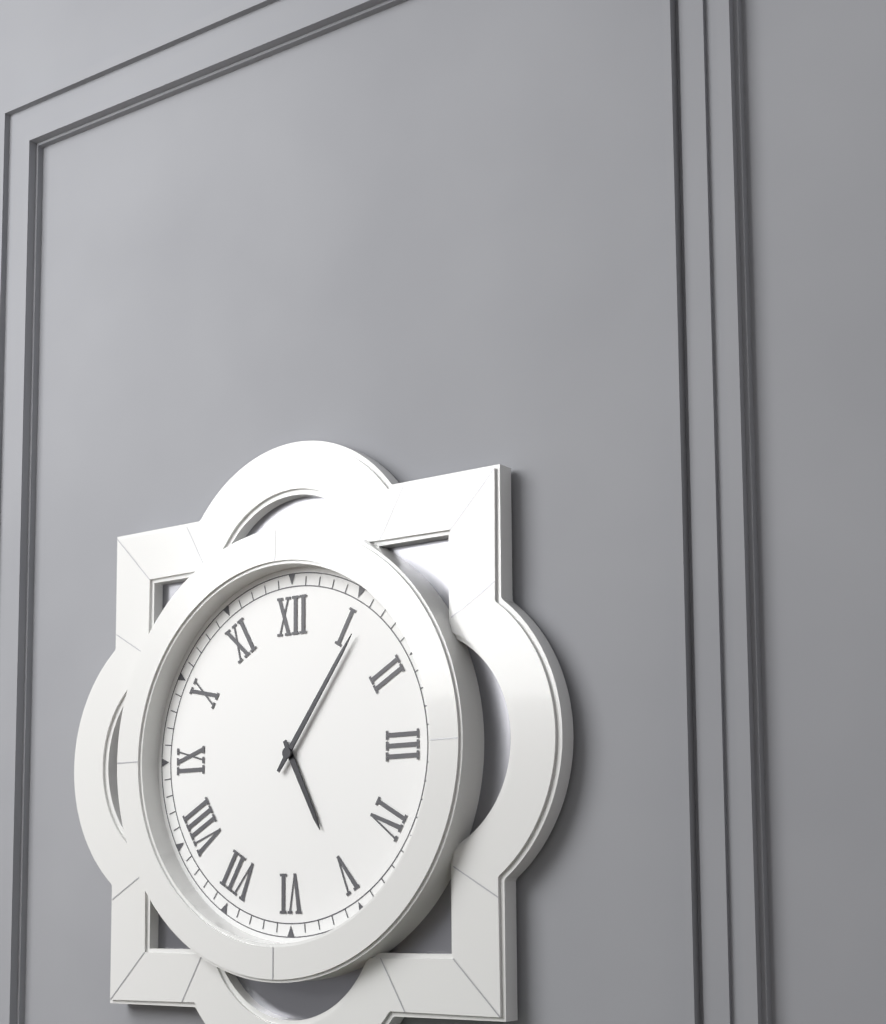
5:06
